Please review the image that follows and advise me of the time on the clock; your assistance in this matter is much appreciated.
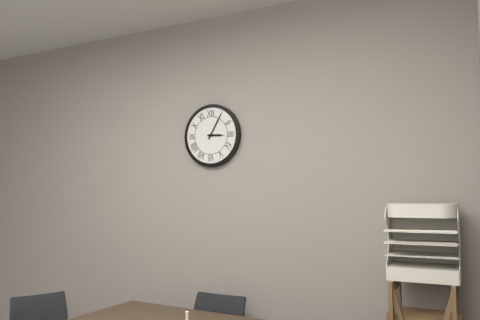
3:05
